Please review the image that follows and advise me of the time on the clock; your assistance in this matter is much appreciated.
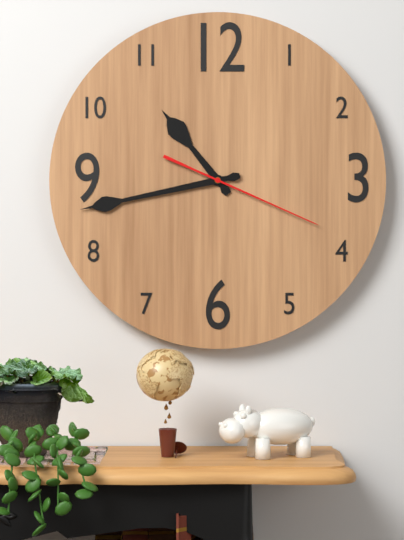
10:43:19
